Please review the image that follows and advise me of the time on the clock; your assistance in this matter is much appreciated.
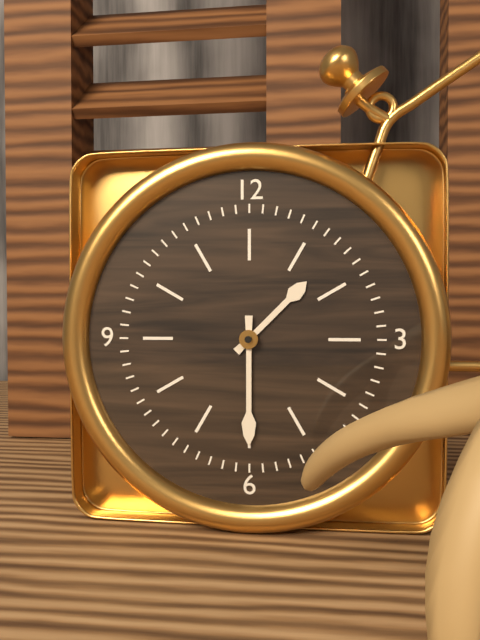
1:30
